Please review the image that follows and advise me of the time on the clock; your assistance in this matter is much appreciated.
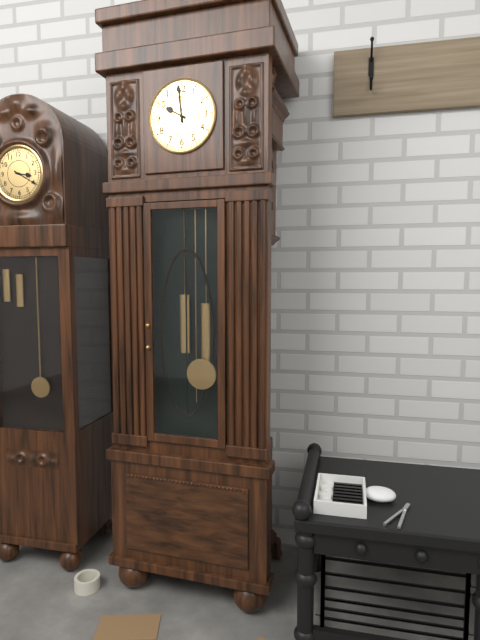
9:59
